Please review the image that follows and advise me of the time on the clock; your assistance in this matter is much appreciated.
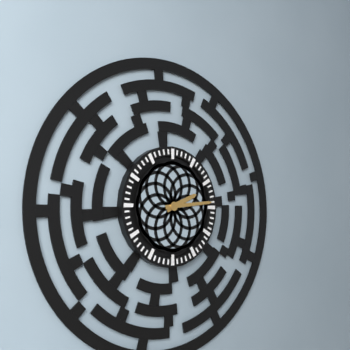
2:14
